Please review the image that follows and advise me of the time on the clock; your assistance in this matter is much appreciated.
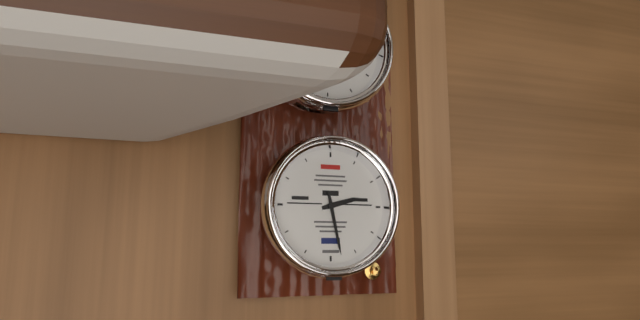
2:28
